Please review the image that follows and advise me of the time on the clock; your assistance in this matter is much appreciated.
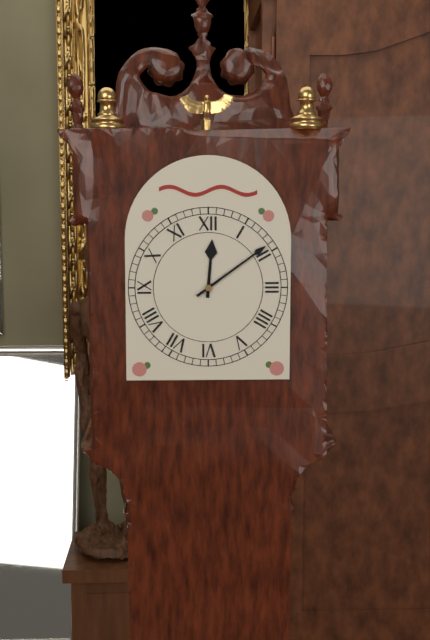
12:09
